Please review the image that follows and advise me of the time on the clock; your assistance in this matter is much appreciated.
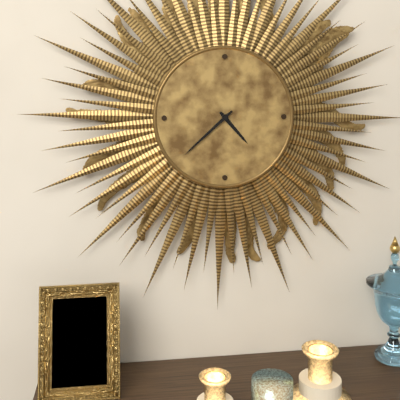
4:38
